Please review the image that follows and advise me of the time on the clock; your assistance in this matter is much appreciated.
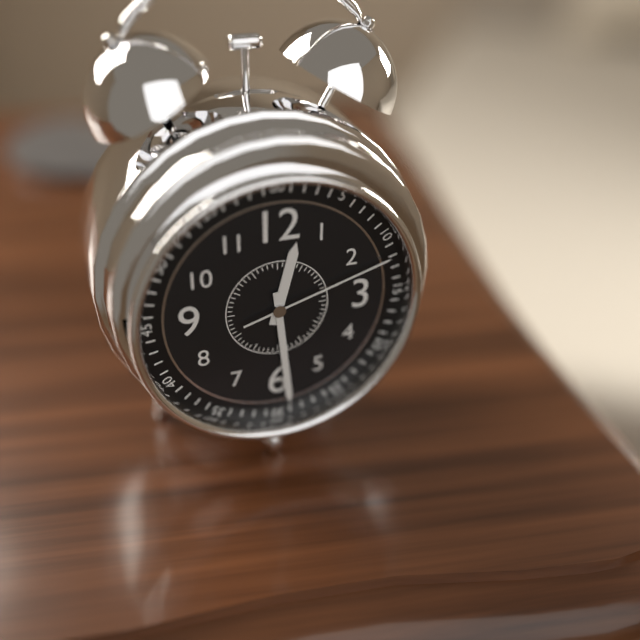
12:29:12
